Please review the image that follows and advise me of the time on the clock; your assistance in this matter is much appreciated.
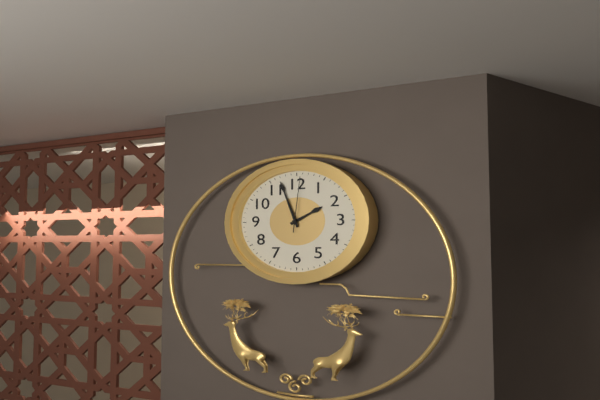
1:57:01
